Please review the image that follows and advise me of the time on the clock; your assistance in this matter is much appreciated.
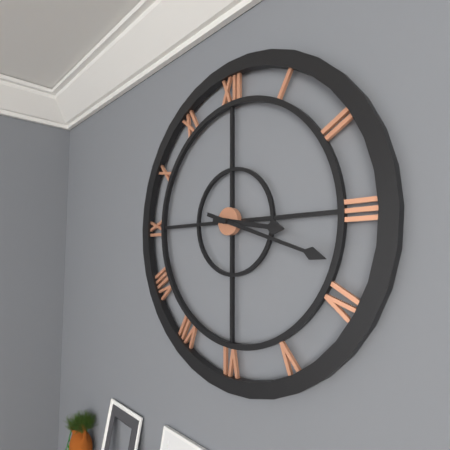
3:18
